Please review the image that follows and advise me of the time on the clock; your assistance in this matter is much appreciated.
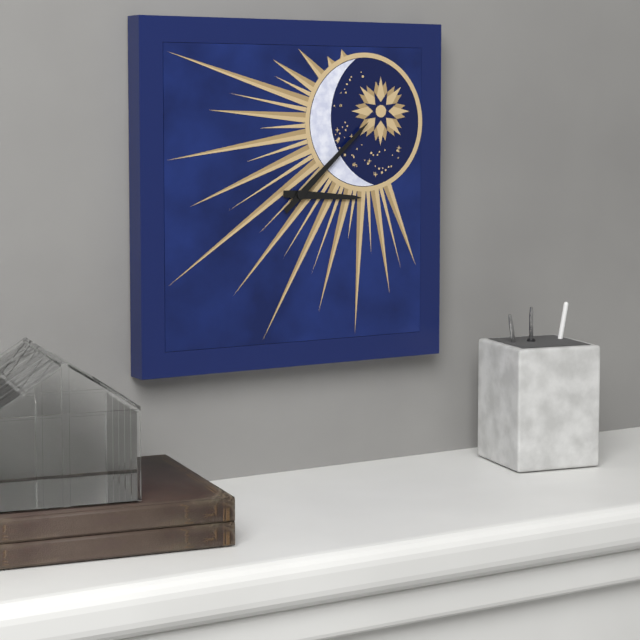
3:08
